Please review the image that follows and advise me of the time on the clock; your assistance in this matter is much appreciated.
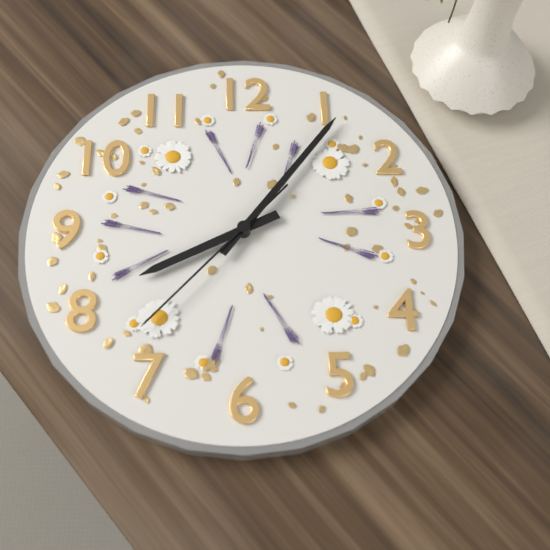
8:06:37
